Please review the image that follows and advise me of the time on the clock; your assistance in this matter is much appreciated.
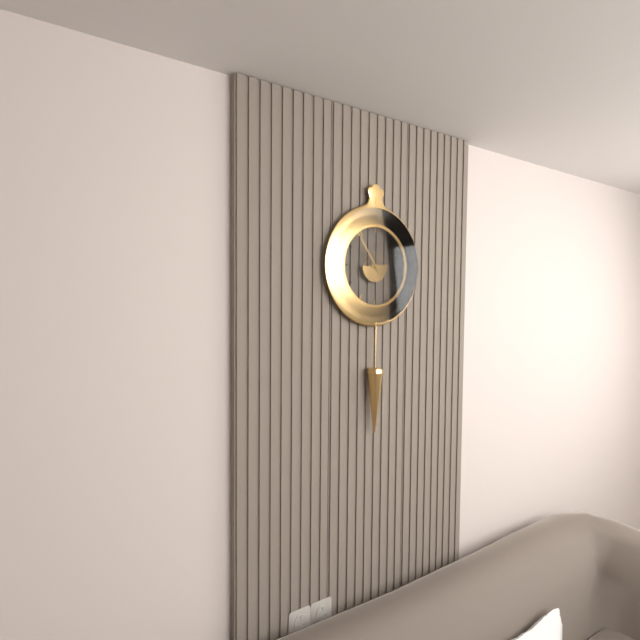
2:54
